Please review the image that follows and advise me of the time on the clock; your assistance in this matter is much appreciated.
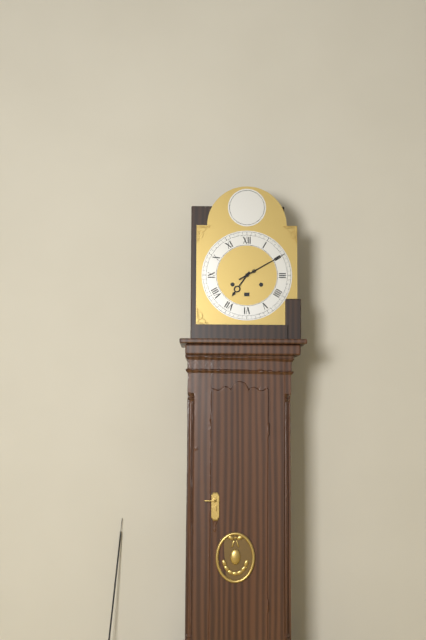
7:10
